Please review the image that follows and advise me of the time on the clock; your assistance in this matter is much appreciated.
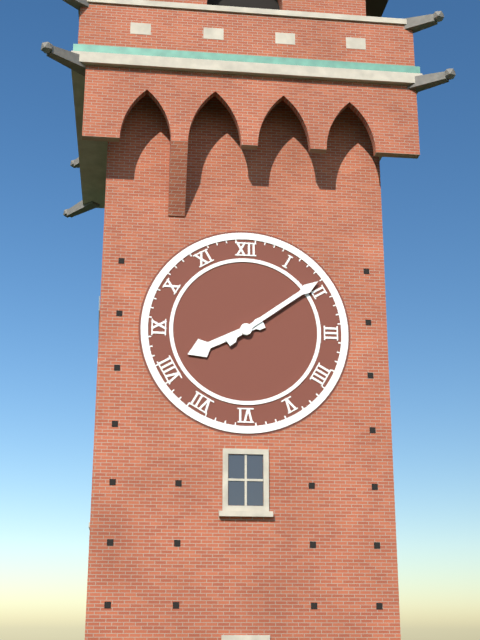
8:09
